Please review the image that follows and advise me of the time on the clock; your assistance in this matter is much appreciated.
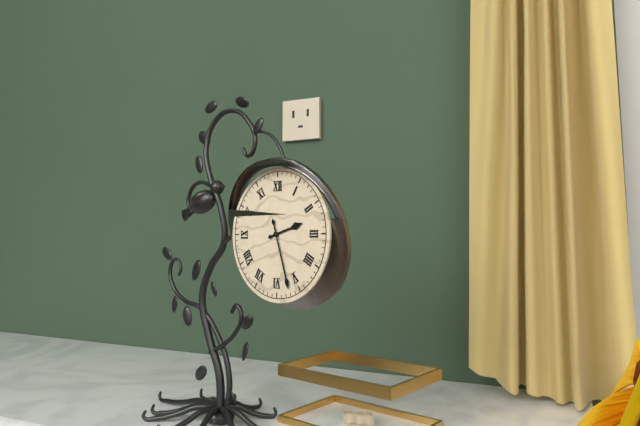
2:27
